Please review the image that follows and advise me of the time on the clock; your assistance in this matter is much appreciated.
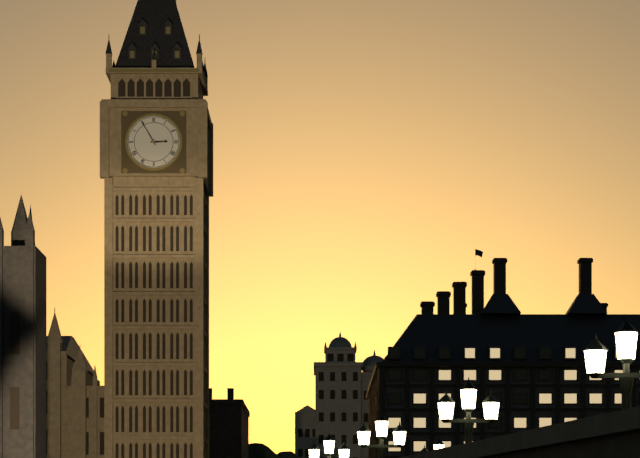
2:55
